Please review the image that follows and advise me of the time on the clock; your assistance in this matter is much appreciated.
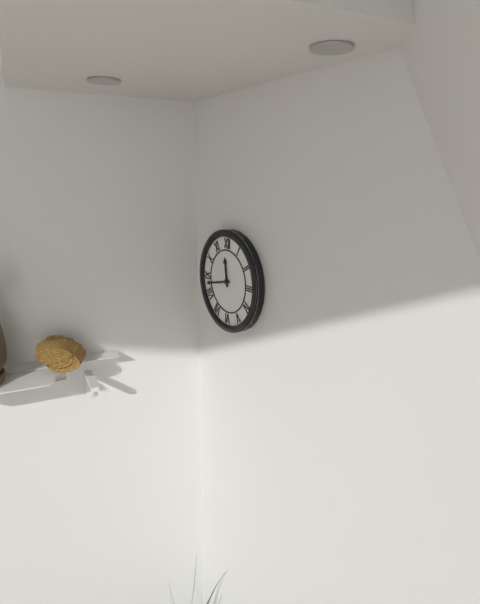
11:43
